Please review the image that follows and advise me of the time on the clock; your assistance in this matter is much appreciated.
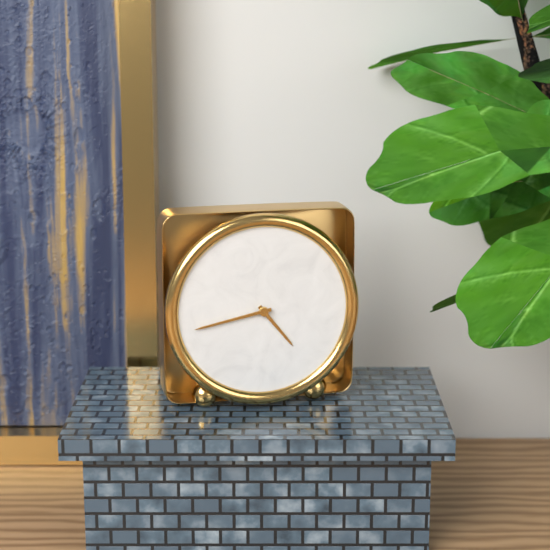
4:43
